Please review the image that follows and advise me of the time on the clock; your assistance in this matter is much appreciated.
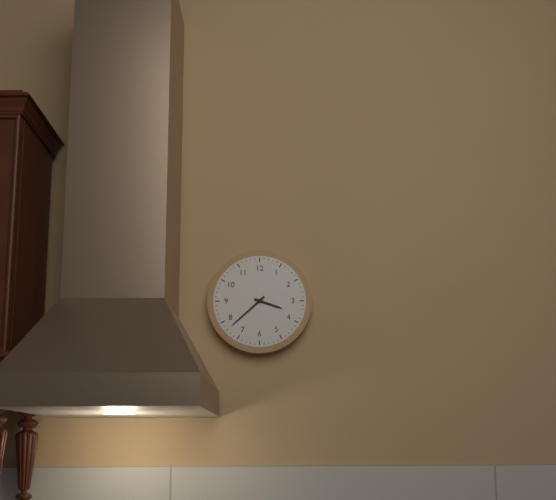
3:38
